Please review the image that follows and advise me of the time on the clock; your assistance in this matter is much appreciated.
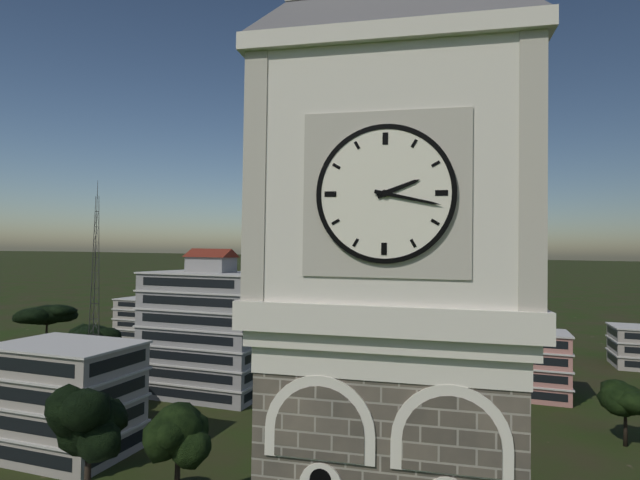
2:17
